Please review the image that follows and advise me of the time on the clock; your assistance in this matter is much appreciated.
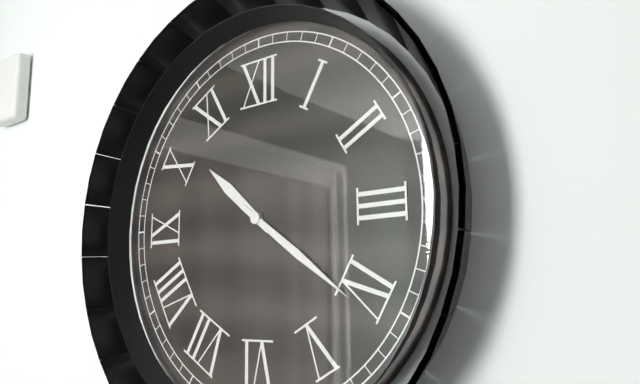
10:21
